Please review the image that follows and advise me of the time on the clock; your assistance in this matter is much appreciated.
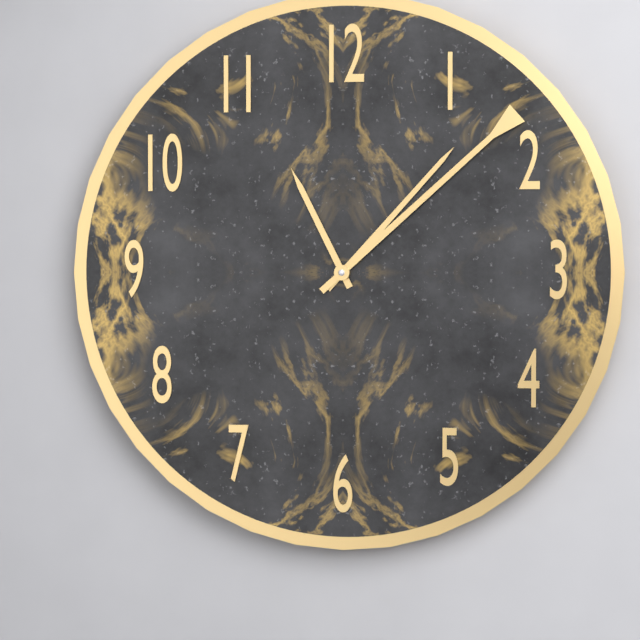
11:07:08
